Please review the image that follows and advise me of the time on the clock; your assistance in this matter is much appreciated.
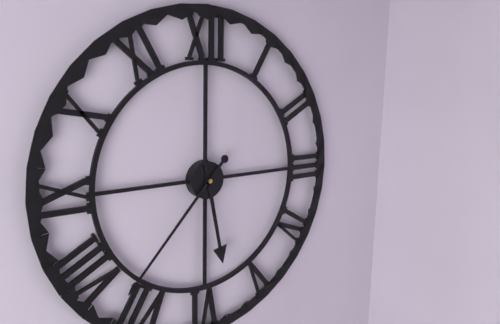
5:37
